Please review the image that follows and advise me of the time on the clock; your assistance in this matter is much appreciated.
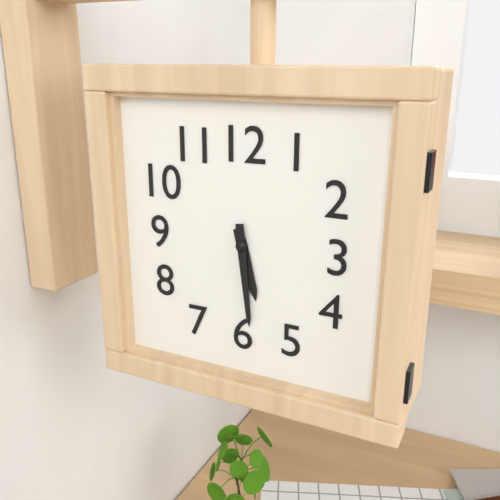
5:29
